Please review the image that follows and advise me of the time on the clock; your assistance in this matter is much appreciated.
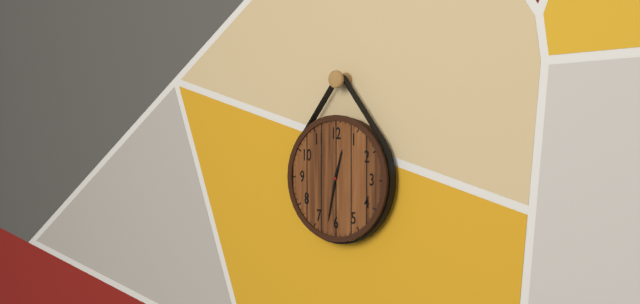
12:32
